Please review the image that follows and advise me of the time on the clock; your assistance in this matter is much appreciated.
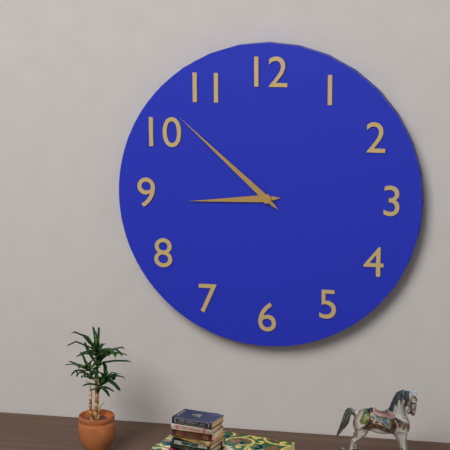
8:52
